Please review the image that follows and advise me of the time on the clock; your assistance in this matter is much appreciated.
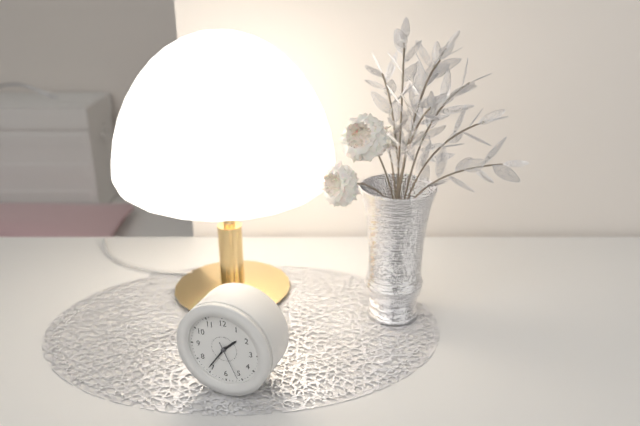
1:36
